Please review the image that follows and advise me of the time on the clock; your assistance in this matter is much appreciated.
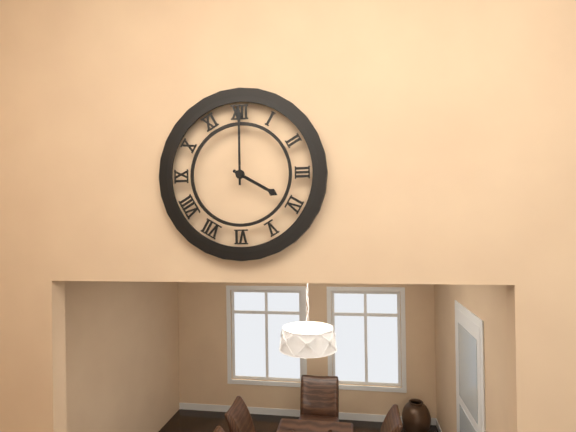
4:00
